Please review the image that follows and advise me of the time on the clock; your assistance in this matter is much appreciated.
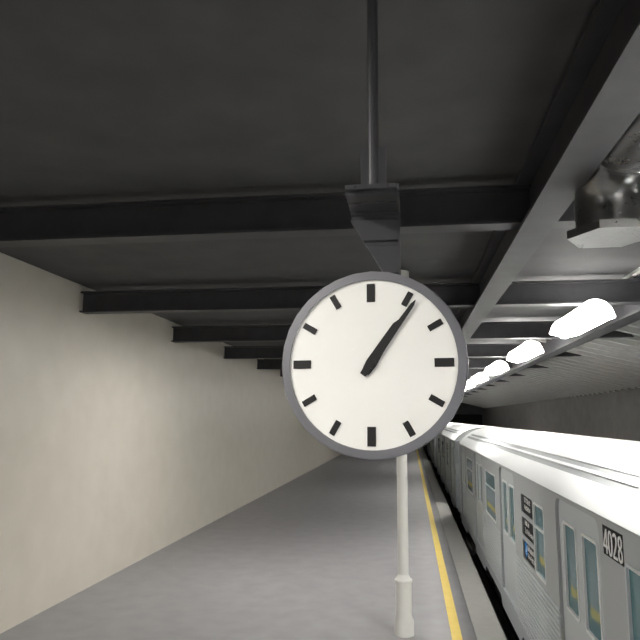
1:06
